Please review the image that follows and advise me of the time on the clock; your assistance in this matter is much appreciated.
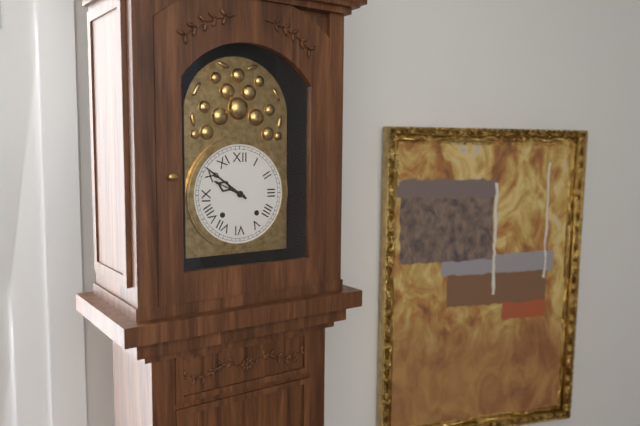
9:51
